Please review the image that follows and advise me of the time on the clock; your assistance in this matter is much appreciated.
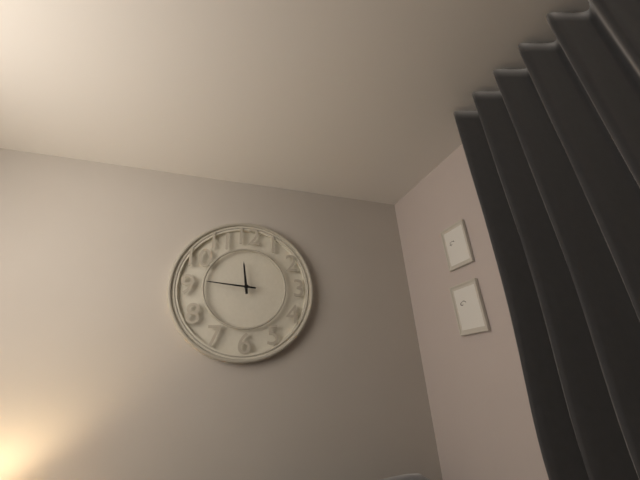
11:46
